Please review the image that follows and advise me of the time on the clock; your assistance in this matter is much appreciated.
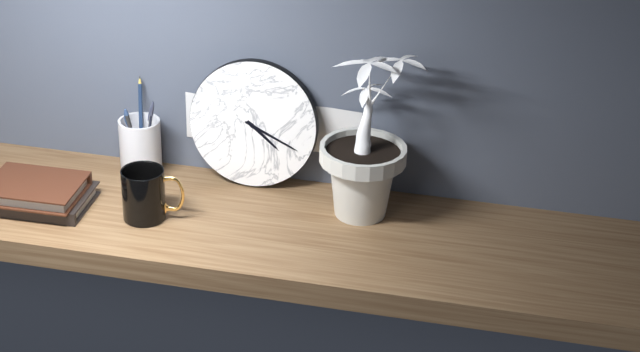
4:19
